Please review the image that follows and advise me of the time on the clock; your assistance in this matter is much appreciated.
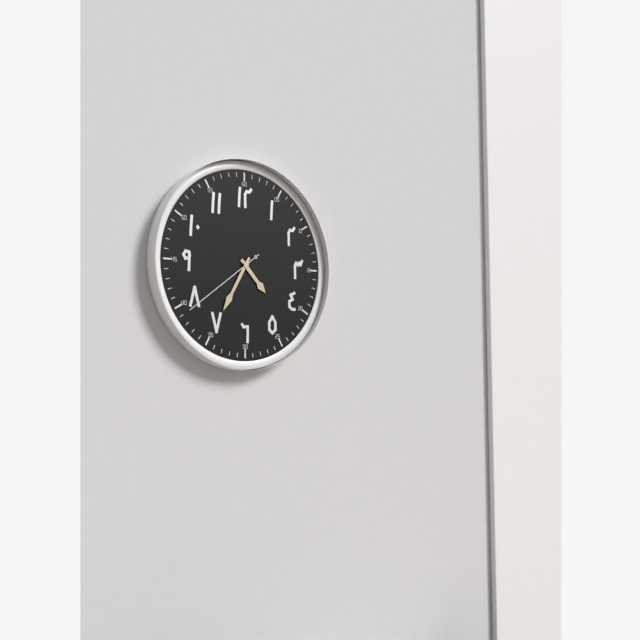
4:35:39
